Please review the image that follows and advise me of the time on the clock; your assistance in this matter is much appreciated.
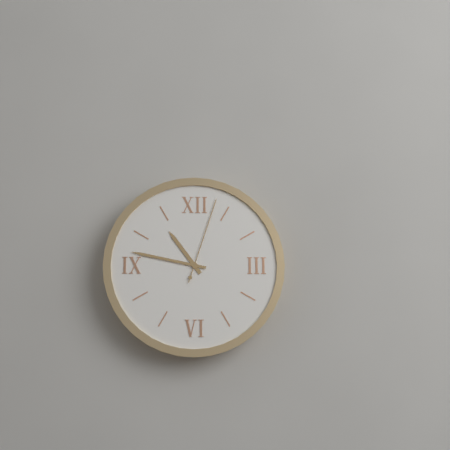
10:47:03
